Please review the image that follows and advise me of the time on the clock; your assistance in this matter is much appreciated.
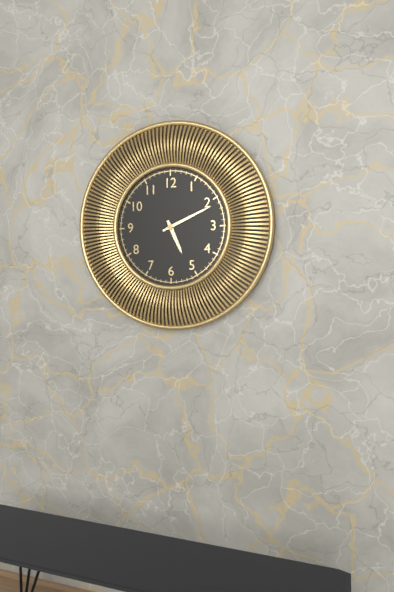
5:11
